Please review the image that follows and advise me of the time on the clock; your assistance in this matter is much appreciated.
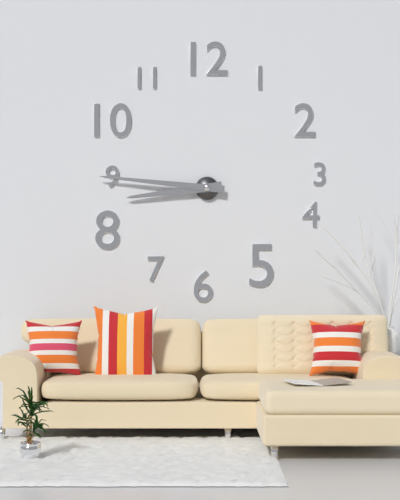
8:46
